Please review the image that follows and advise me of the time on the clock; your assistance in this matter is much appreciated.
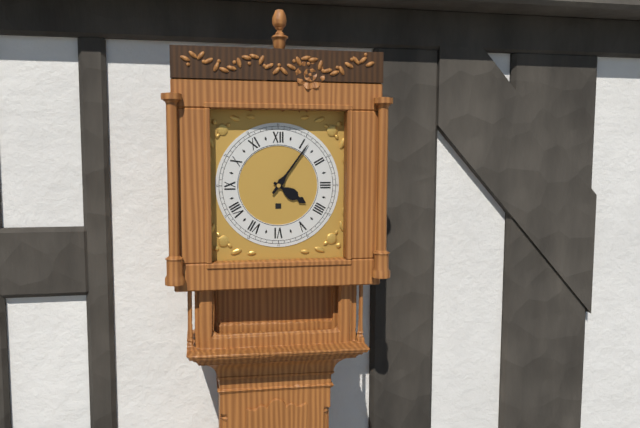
4:06
